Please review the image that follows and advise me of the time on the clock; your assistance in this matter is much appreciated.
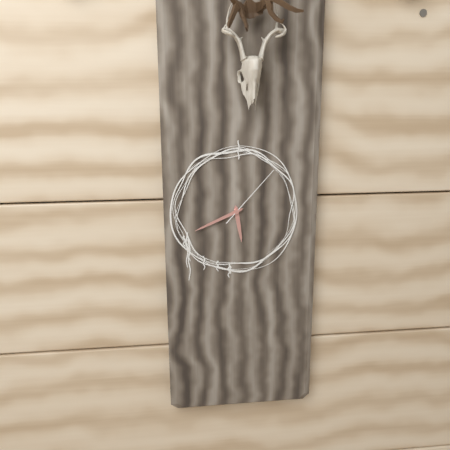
5:41:07
